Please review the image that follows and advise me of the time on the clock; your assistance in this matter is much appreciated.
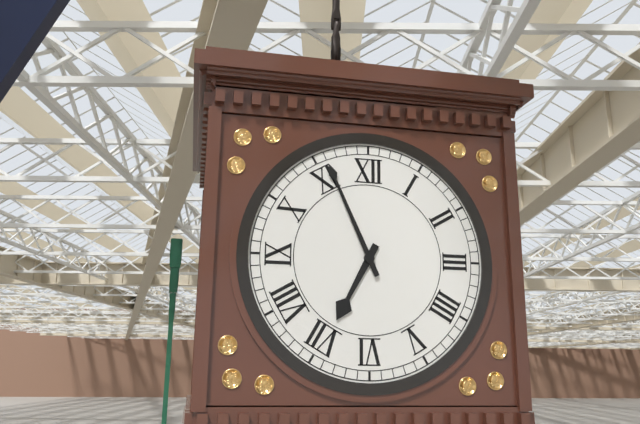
6:56
